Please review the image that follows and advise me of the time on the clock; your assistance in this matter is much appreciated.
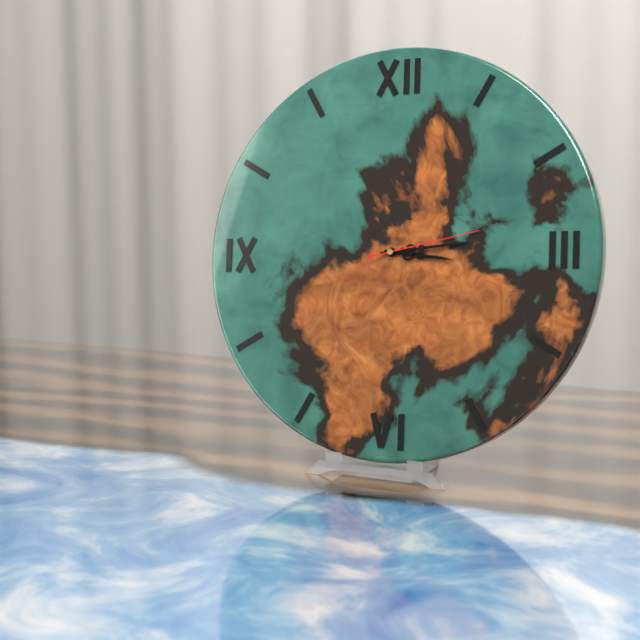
3:14:13
